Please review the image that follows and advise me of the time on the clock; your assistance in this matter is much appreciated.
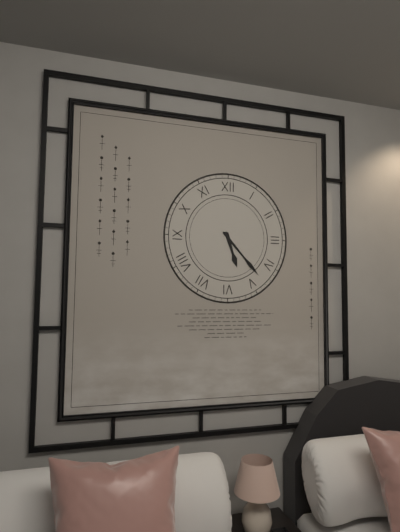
5:23
